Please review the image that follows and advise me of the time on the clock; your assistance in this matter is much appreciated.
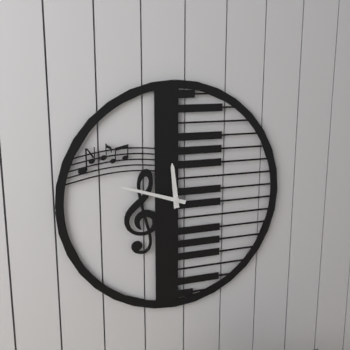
11:48
